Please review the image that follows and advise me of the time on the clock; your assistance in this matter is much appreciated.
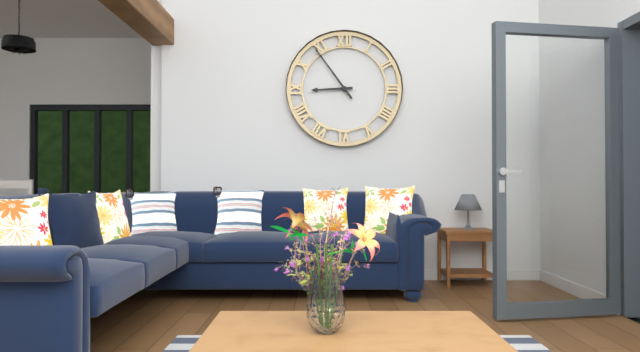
8:54
